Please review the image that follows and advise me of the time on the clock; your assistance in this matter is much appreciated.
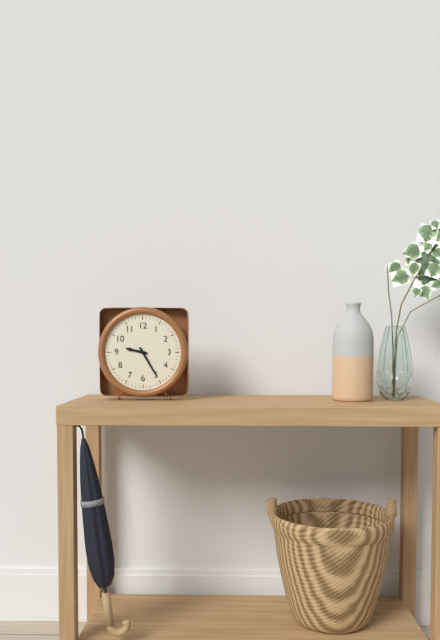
9:25
